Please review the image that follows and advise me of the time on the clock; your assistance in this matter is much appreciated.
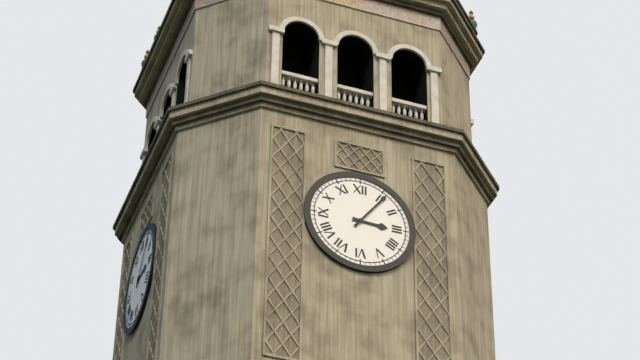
3:06
